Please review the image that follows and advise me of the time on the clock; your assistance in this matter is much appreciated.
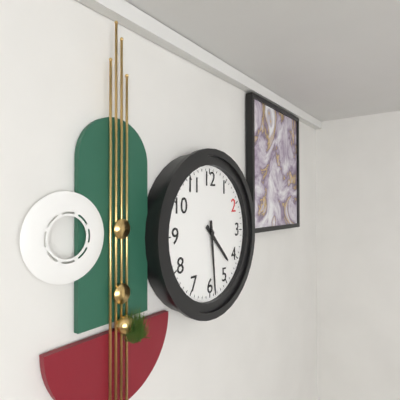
4:29
